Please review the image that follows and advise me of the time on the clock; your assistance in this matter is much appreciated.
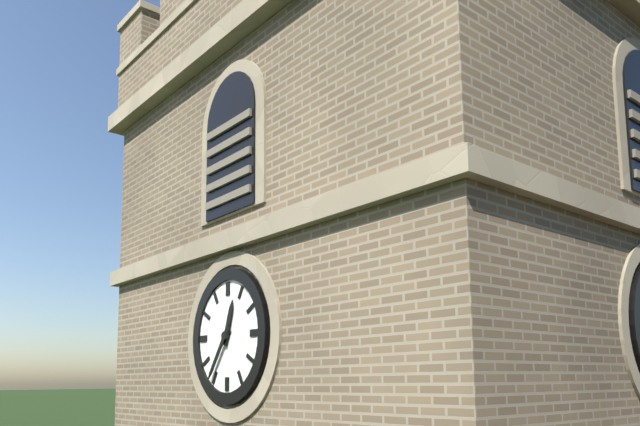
12:36
